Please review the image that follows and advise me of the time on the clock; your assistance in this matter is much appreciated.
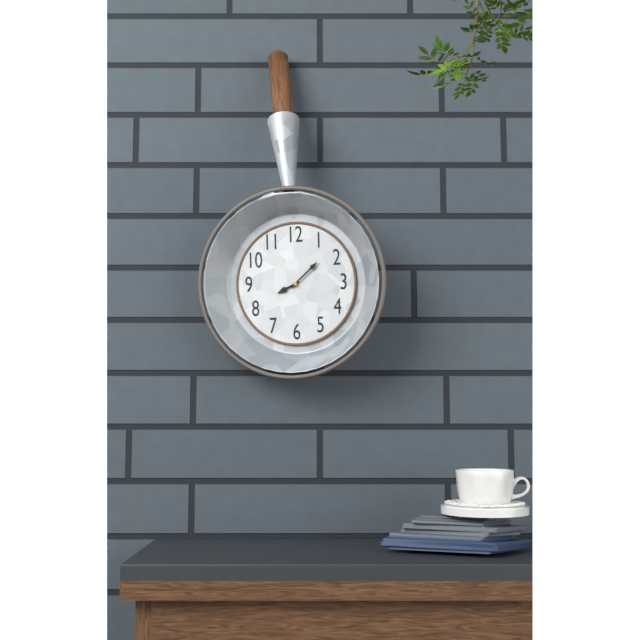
8:08
